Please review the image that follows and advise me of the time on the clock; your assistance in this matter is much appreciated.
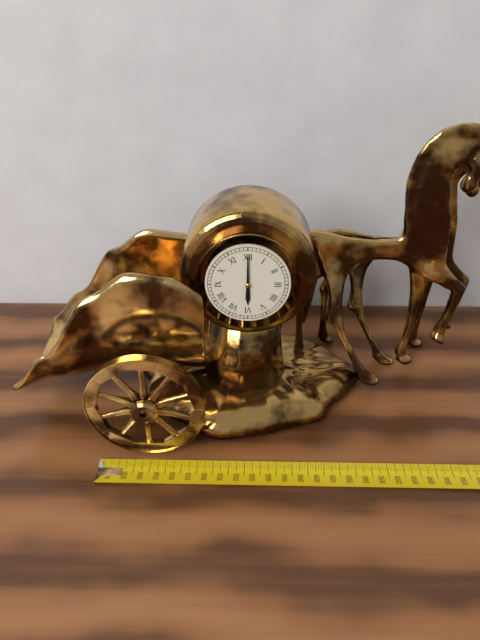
6:00
